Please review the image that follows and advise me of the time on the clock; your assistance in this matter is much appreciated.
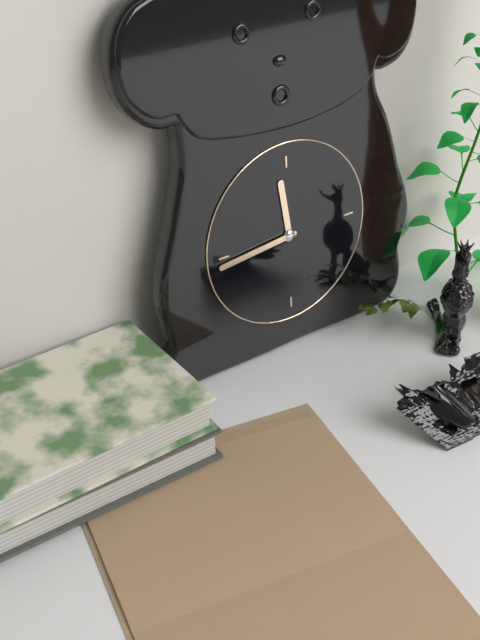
11:44
